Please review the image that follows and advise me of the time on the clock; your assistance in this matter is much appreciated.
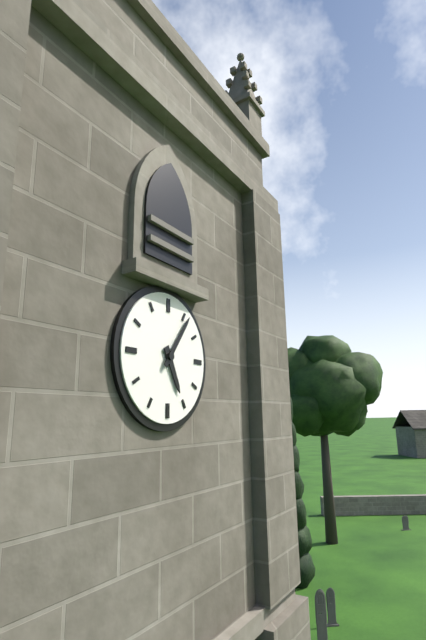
5:06
